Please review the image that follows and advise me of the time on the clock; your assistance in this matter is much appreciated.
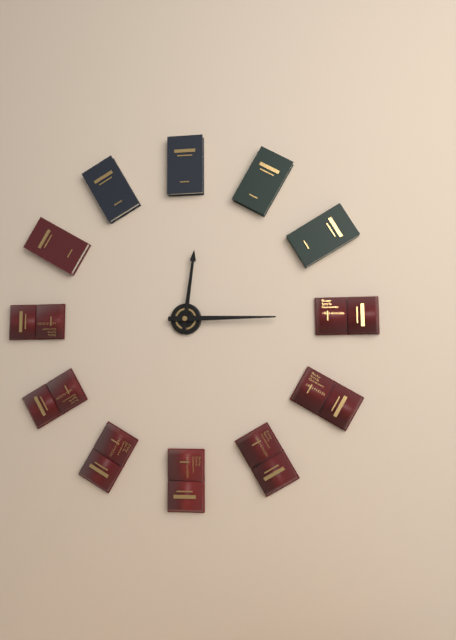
12:15
